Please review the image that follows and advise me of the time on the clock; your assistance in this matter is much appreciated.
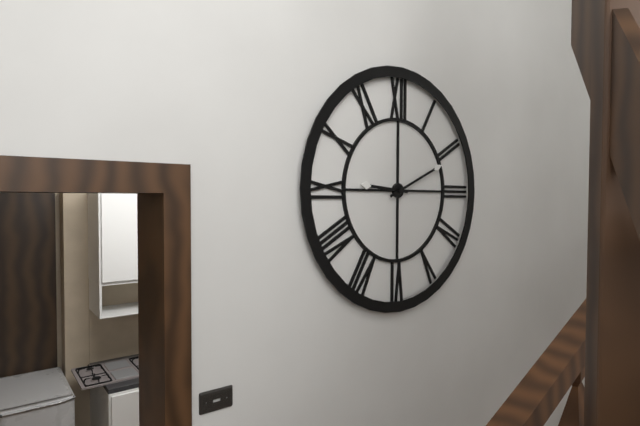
9:11
